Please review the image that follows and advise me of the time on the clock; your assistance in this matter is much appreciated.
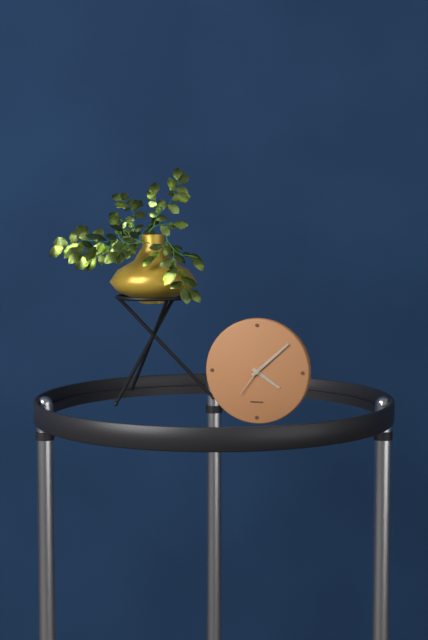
4:08
